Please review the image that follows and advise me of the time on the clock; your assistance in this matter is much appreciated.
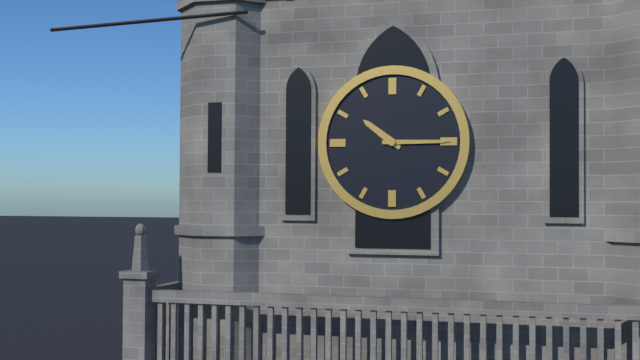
10:15
